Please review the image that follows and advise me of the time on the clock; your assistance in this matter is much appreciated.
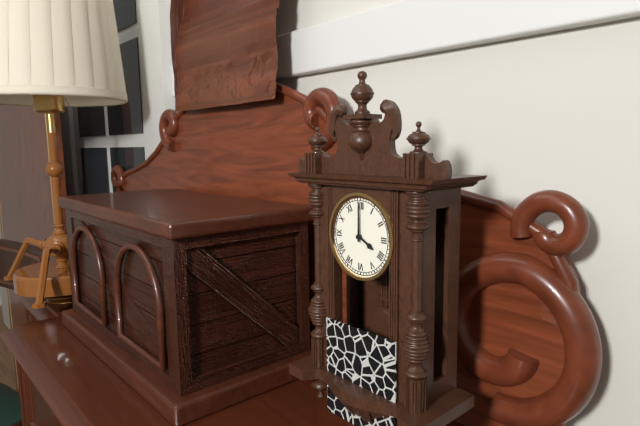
4:00
